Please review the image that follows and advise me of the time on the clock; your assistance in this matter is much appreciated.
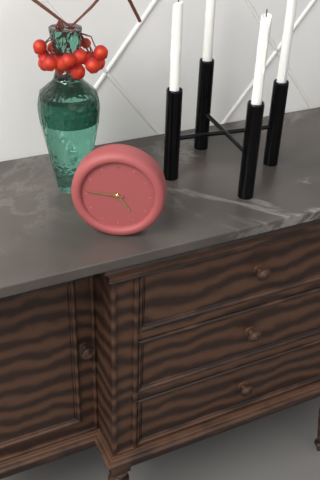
4:46
